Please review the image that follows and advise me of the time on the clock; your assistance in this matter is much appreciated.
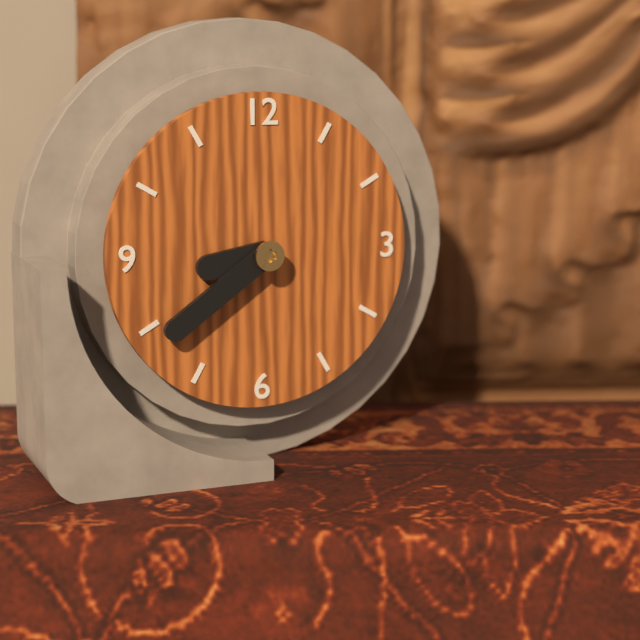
8:39
